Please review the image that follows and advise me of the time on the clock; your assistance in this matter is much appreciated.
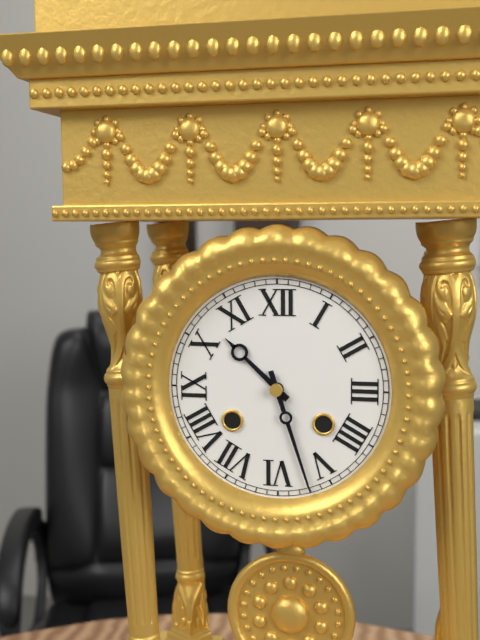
10:27
